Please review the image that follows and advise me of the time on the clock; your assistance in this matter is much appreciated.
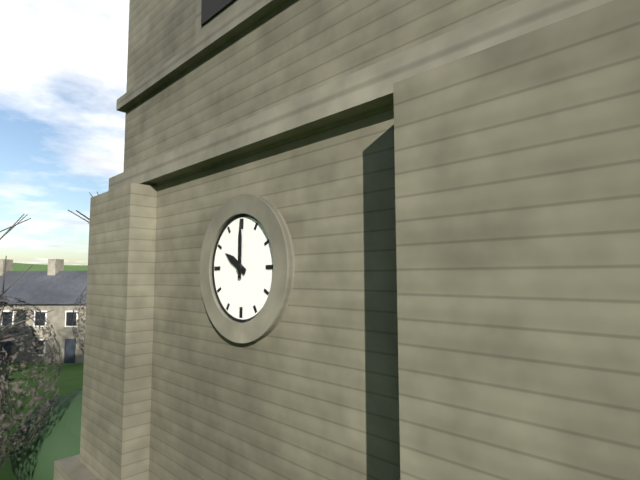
10:00
